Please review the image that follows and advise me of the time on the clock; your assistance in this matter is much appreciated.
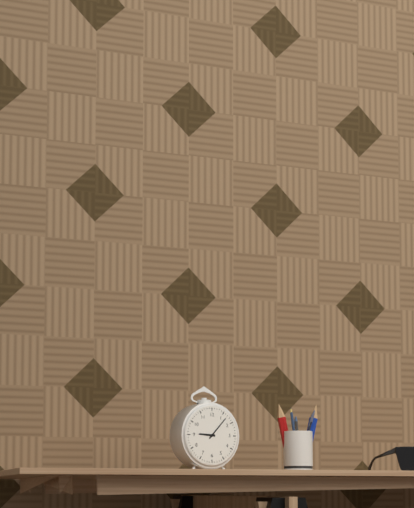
9:07
